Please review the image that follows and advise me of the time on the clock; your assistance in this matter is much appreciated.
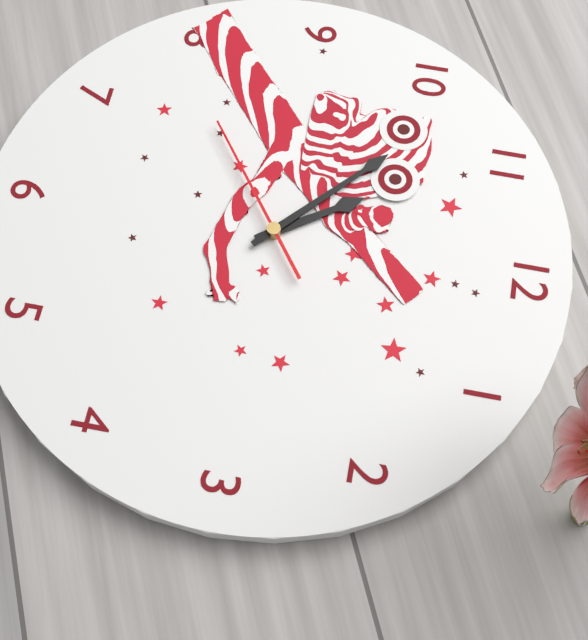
10:52:39
